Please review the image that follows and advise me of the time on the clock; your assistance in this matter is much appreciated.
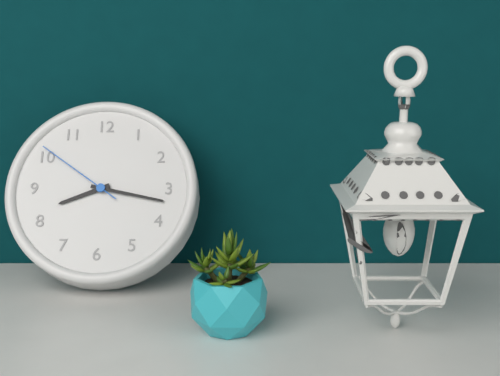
8:17:51
